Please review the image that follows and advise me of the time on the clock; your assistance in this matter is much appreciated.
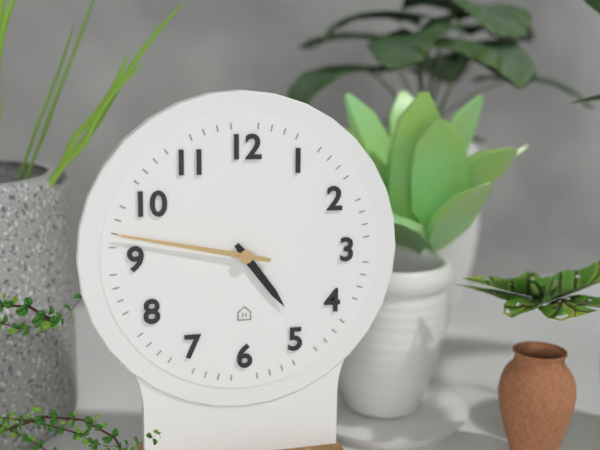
4:47
